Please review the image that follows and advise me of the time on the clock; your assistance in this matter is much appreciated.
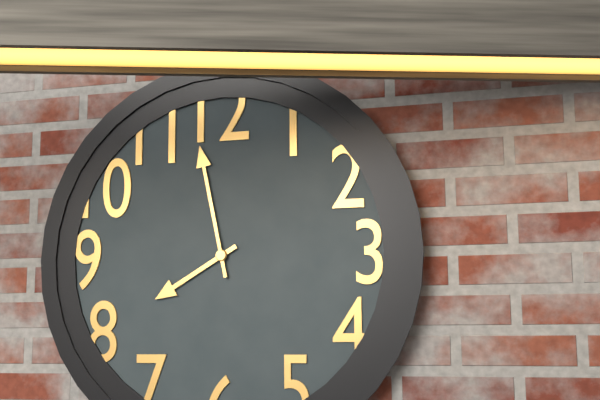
7:58
